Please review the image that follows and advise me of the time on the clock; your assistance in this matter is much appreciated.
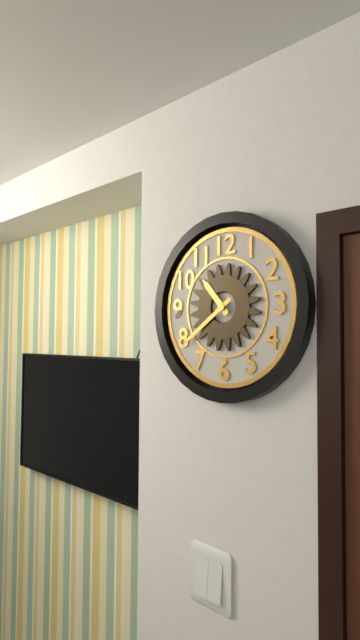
10:39
